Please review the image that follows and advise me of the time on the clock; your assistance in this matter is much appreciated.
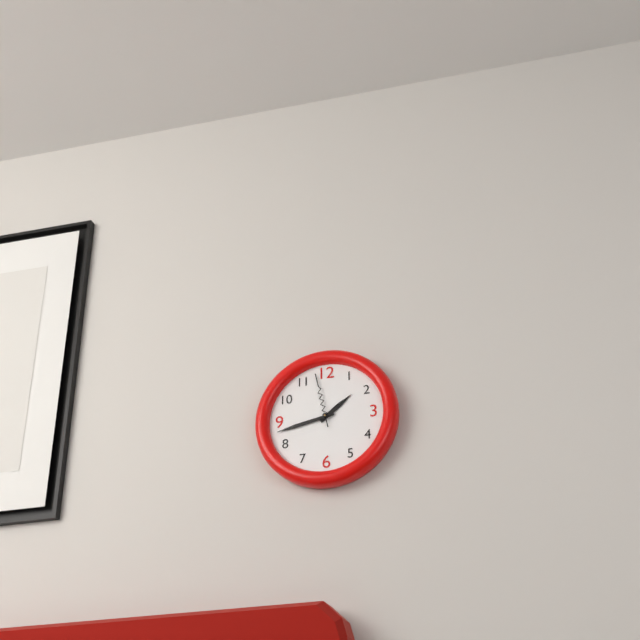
1:43:58
